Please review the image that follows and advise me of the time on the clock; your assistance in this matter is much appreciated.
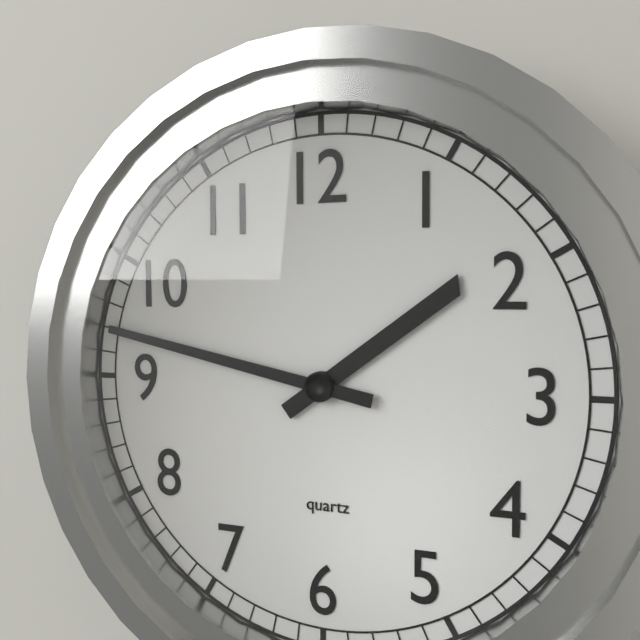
1:47
